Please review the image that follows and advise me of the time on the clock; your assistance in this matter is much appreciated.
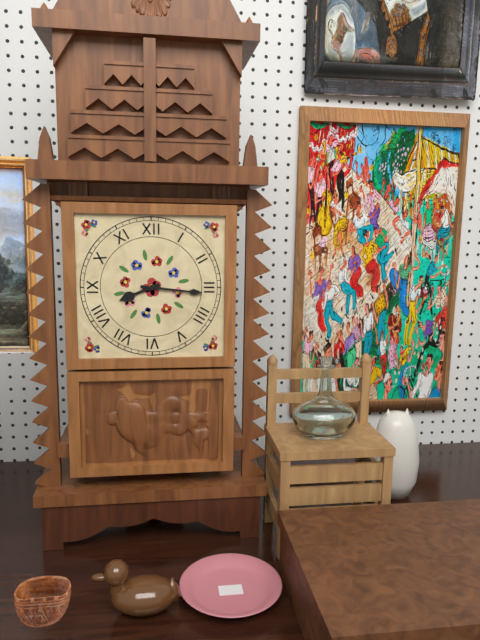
8:16
